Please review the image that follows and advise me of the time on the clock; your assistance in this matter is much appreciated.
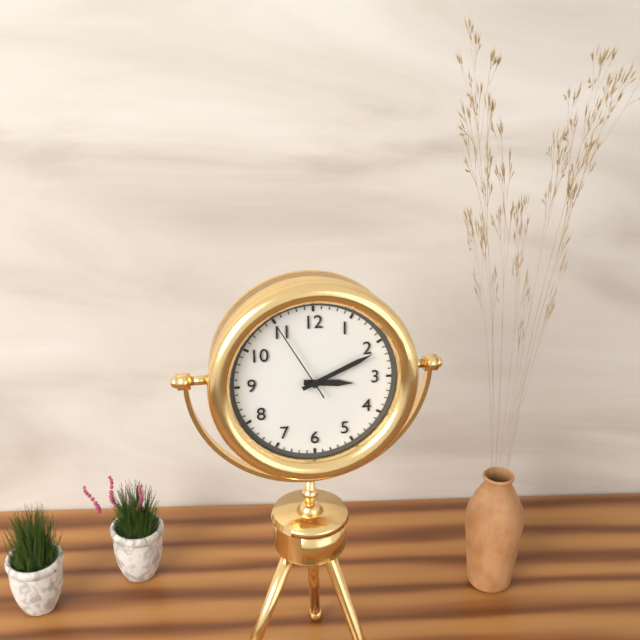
3:11:55
